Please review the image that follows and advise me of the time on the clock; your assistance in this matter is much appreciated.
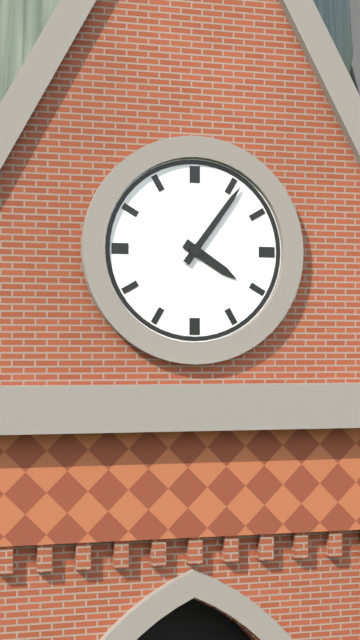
4:06
